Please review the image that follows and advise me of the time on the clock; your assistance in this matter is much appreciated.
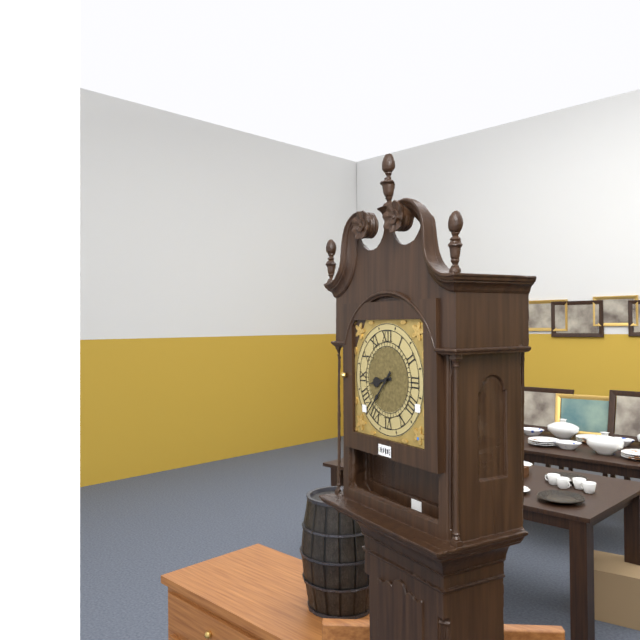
8:37
